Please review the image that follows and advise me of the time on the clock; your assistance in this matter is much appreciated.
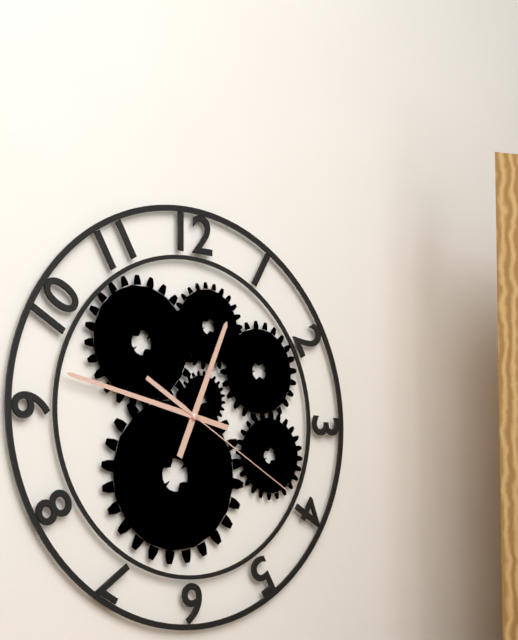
12:47:20
